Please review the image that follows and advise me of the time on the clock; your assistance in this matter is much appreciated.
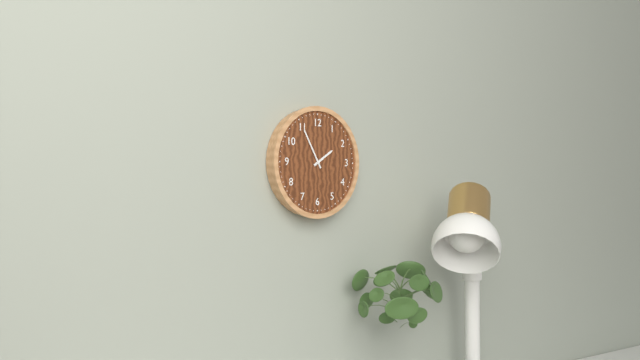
1:55
